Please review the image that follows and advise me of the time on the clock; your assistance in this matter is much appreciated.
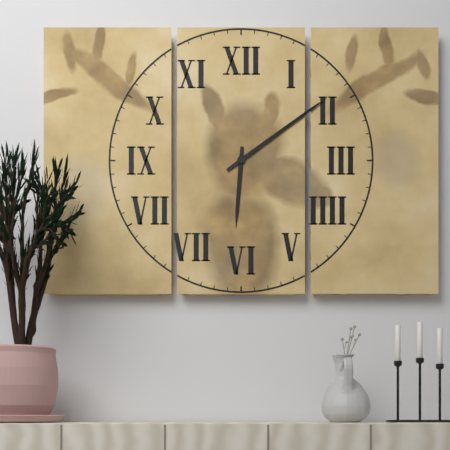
6:09
